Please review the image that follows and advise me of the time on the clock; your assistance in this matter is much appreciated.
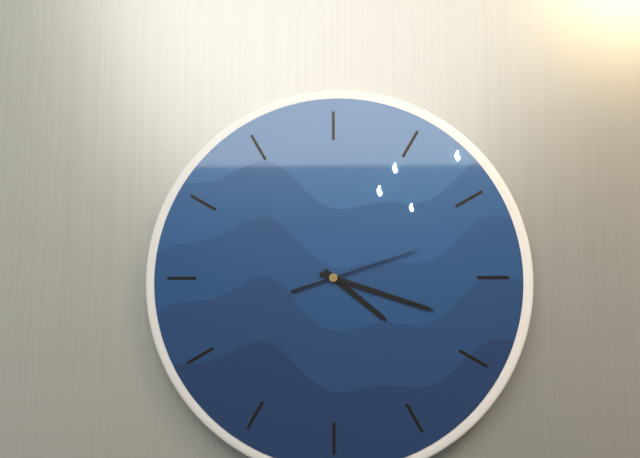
4:18:12
